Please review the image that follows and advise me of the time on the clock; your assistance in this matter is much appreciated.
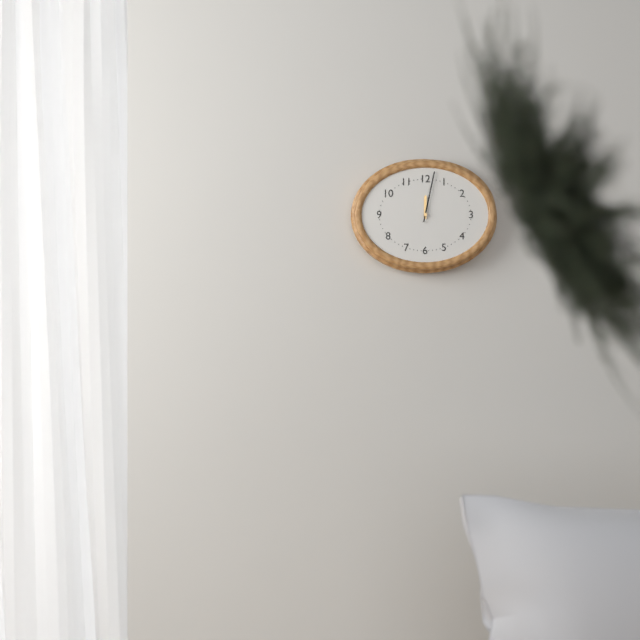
12:02
